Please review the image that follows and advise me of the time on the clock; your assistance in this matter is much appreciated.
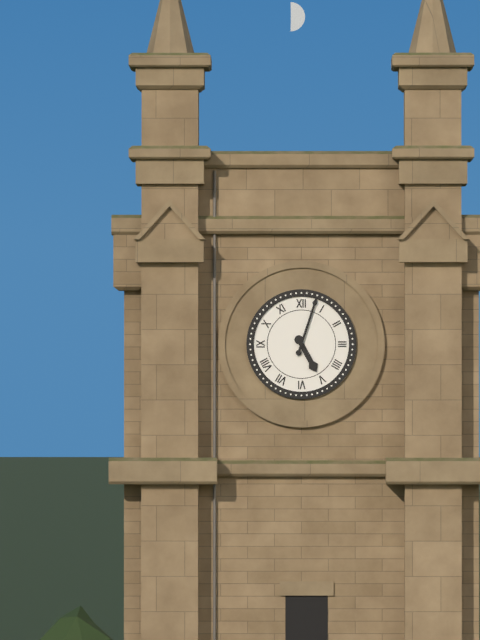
5:03
